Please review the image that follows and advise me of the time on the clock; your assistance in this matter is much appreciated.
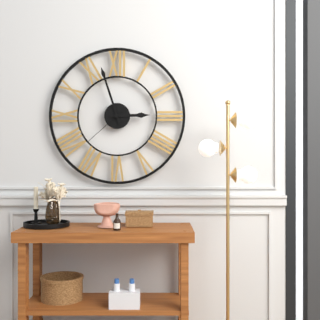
2:57:38
